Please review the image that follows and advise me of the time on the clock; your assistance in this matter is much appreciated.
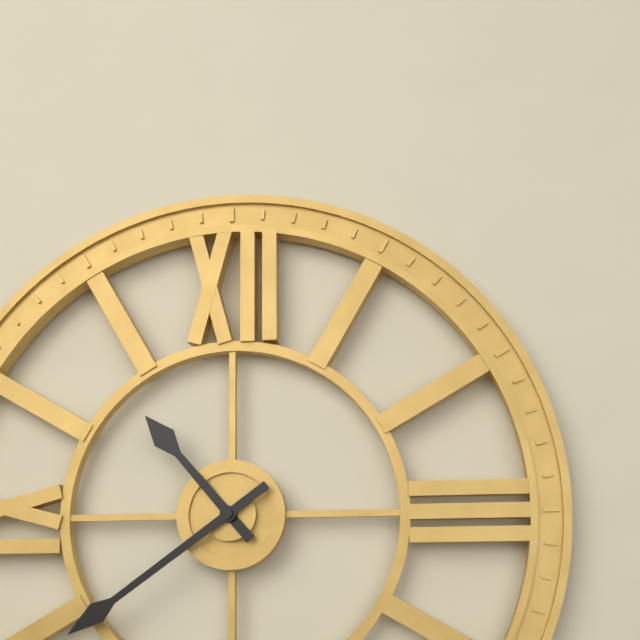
10:39
